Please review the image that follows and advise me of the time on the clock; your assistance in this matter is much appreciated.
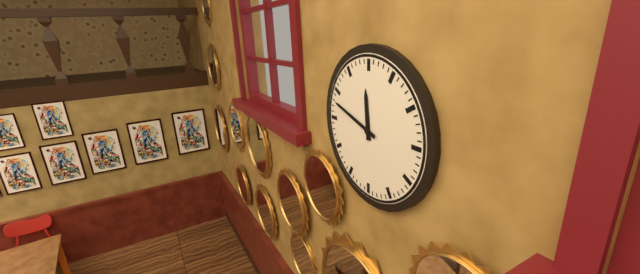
11:48
